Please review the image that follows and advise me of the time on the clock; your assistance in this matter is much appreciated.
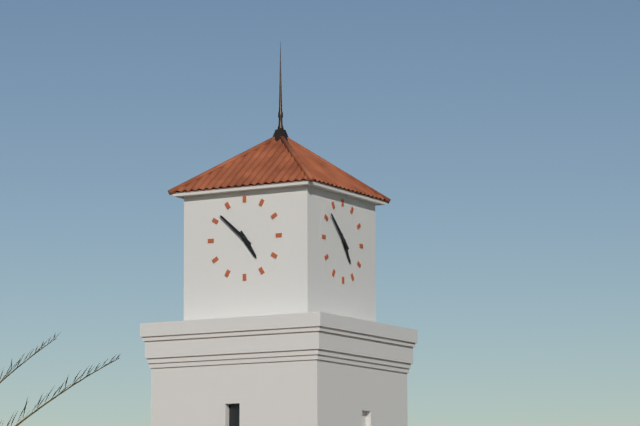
4:52
